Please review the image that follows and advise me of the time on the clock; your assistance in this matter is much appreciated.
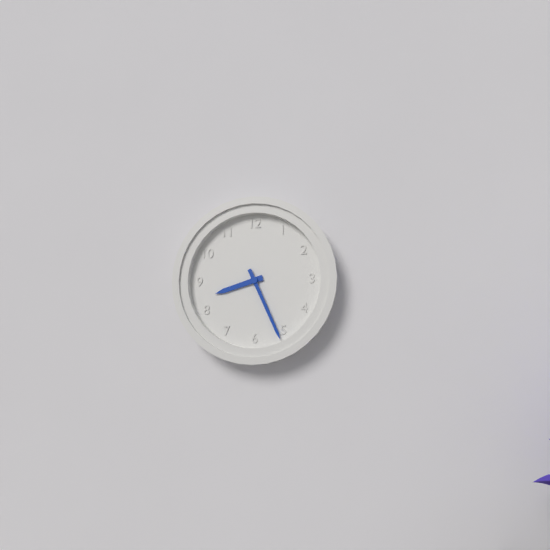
8:26
